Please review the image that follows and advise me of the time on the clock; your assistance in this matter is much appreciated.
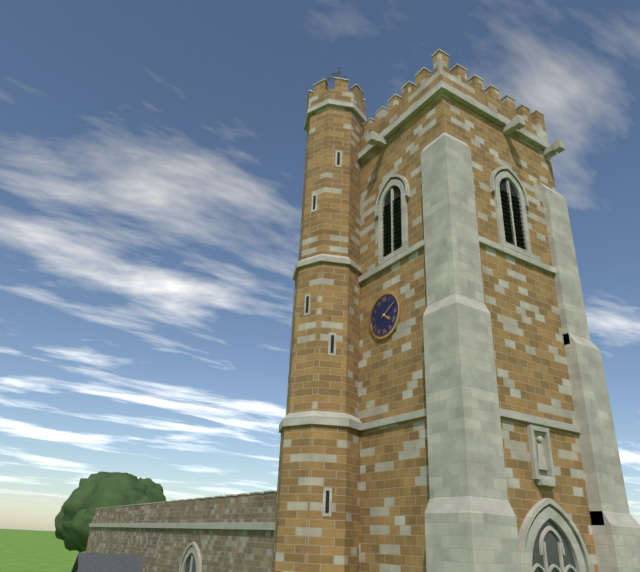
4:10
